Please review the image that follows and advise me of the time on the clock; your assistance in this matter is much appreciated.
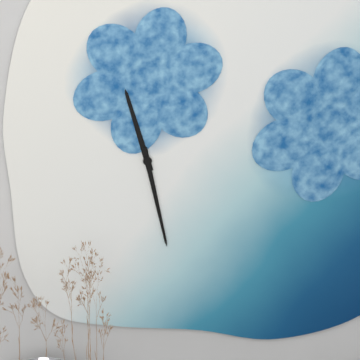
11:28
